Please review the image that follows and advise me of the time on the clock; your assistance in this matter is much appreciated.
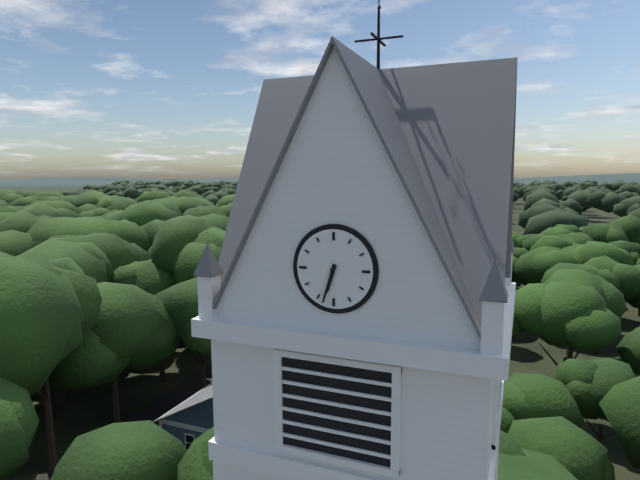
6:33
